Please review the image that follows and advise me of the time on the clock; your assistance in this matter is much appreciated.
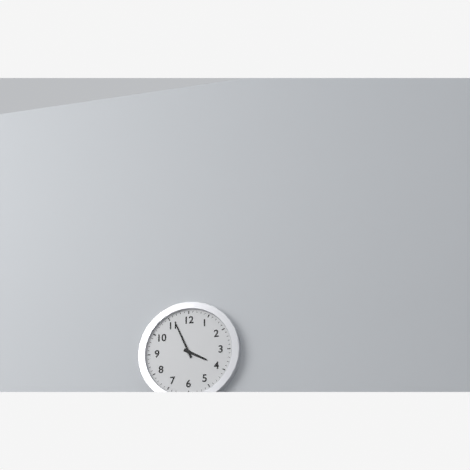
3:56
